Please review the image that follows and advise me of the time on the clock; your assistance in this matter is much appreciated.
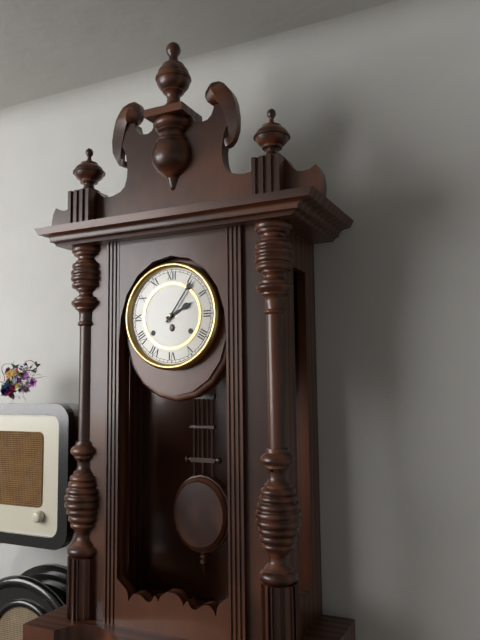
2:06
